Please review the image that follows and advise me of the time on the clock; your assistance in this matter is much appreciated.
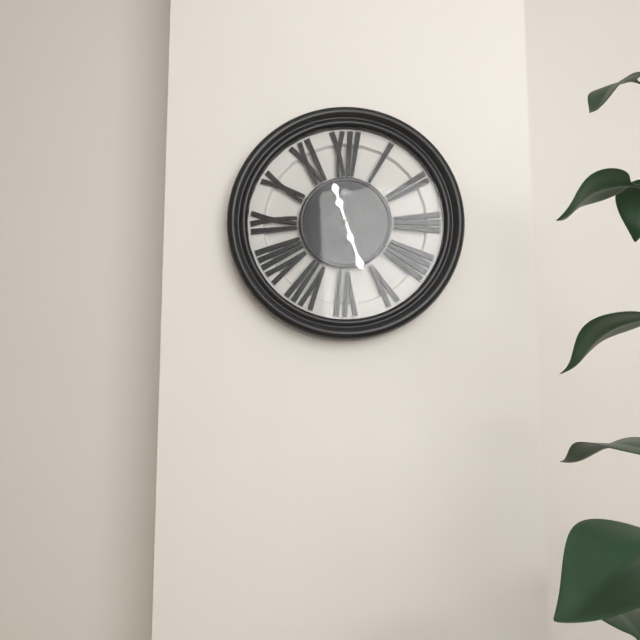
11:27
